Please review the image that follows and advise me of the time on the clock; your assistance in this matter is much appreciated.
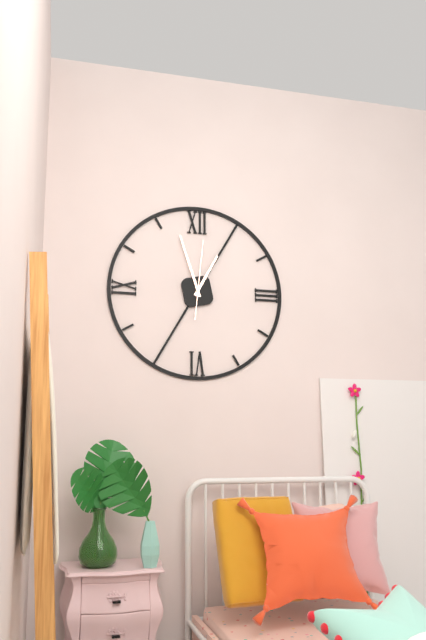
12:57:01
